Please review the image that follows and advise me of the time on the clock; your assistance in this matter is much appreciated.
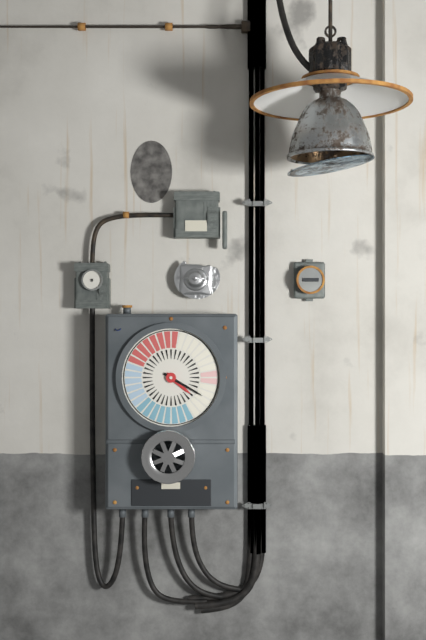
4:20
